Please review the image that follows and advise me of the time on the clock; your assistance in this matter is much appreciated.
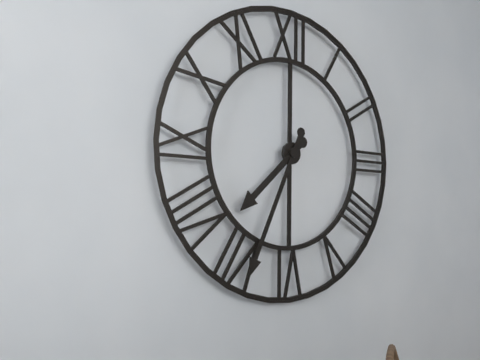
7:34
